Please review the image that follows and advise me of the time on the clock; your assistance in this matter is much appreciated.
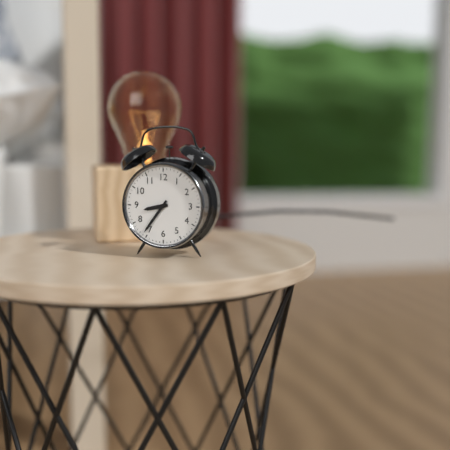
8:36
